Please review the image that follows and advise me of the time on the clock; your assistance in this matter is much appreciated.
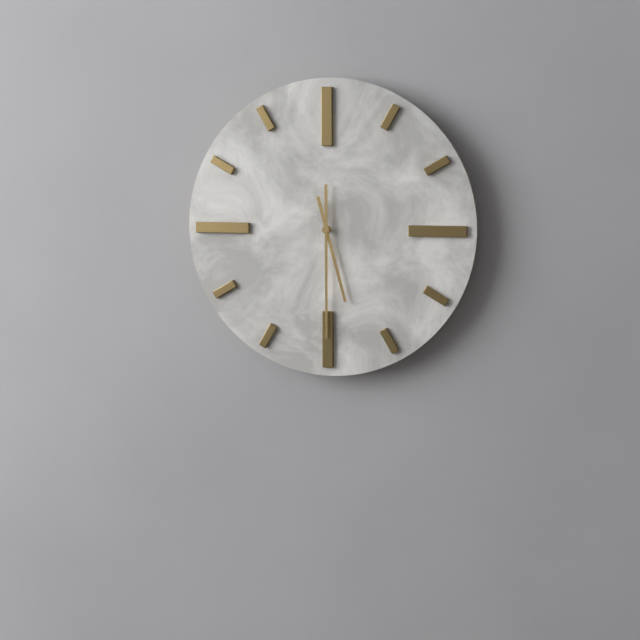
5:30
